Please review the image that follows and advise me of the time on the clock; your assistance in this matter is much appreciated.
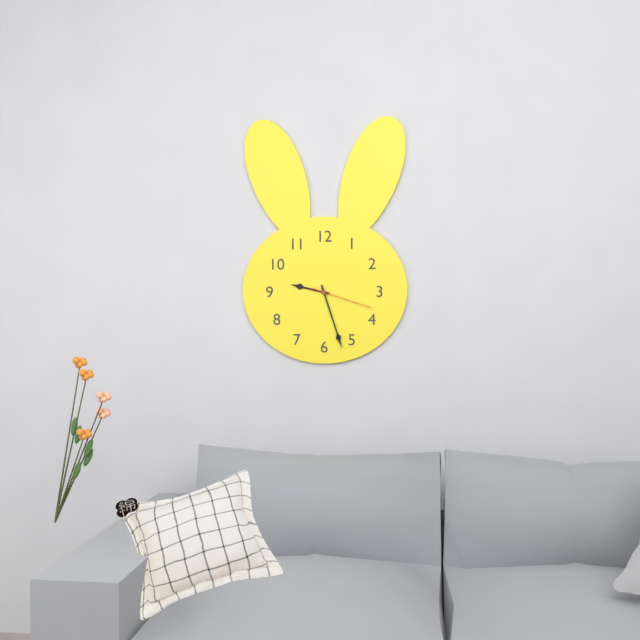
9:27:18
